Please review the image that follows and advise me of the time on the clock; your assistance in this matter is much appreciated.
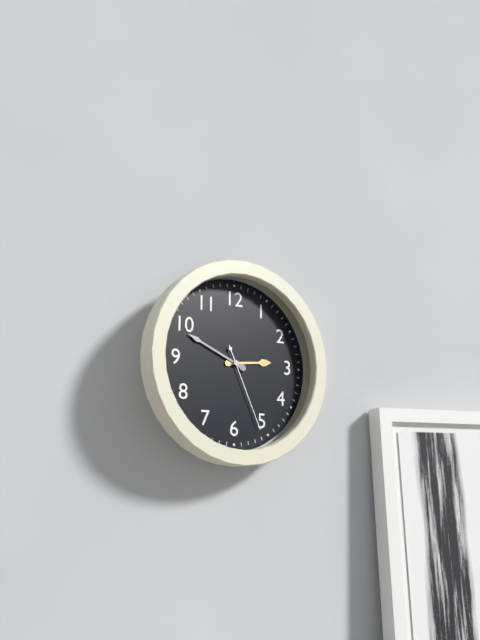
2:49:26
